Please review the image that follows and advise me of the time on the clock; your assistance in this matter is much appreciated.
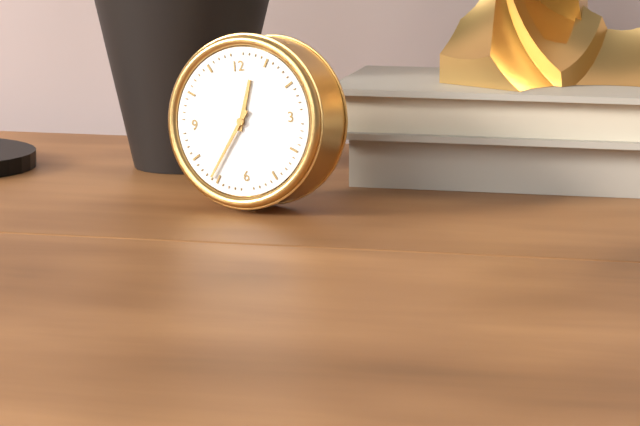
12:36
